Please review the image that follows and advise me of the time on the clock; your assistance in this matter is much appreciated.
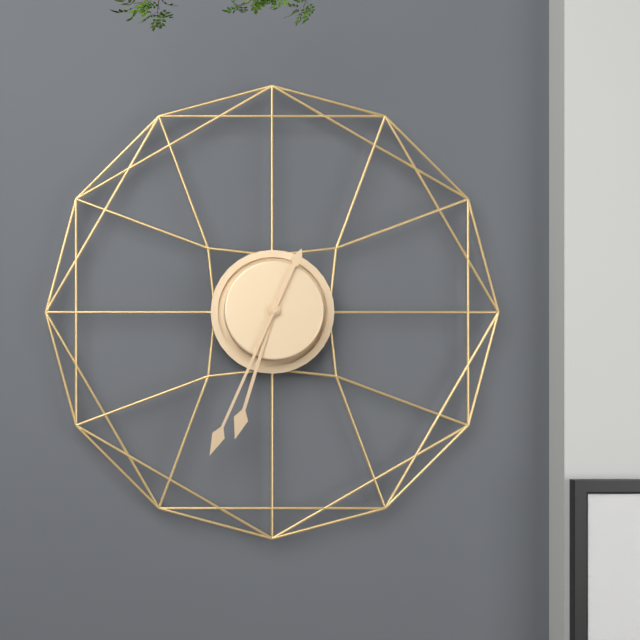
6:34
